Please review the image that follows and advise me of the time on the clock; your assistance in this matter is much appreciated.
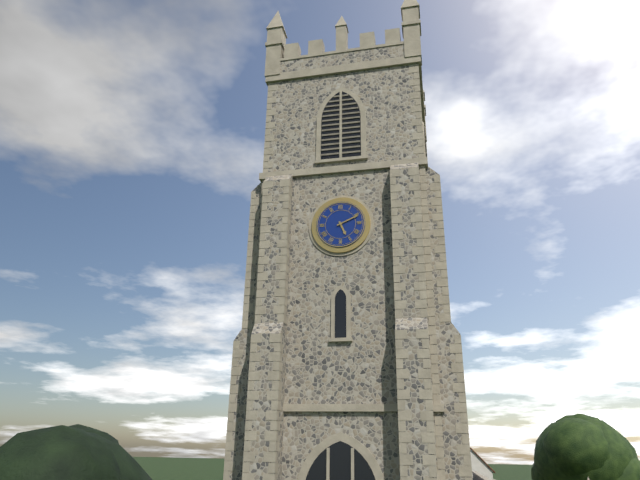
5:11
